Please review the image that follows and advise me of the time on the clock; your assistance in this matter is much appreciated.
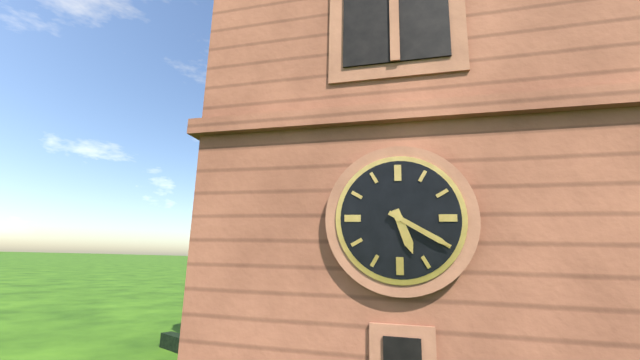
5:20
